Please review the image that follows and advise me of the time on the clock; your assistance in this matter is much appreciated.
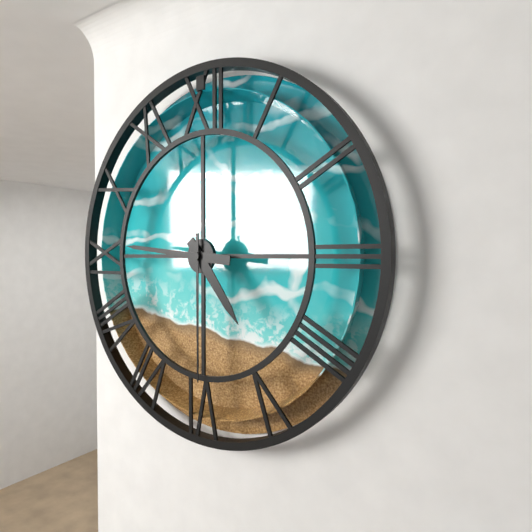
4:46:30
